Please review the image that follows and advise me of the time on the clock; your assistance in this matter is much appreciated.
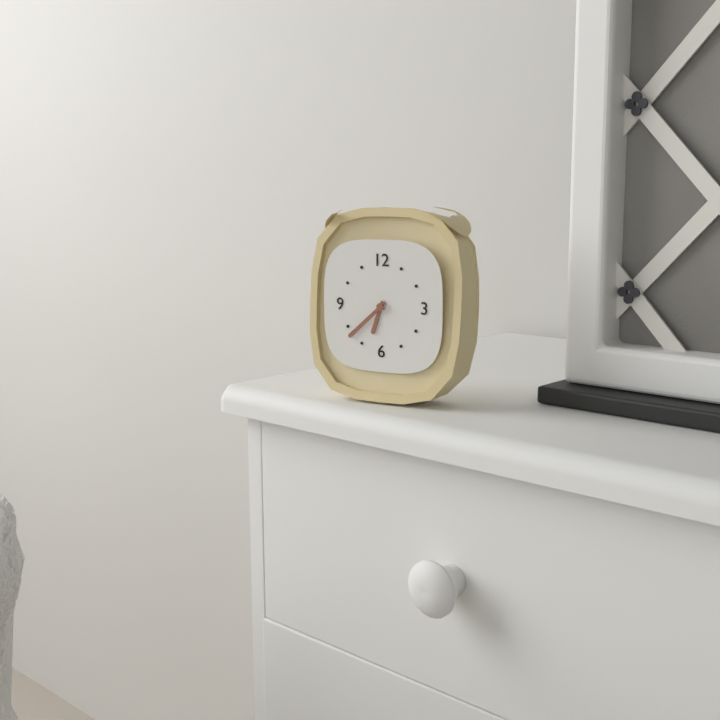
6:38
